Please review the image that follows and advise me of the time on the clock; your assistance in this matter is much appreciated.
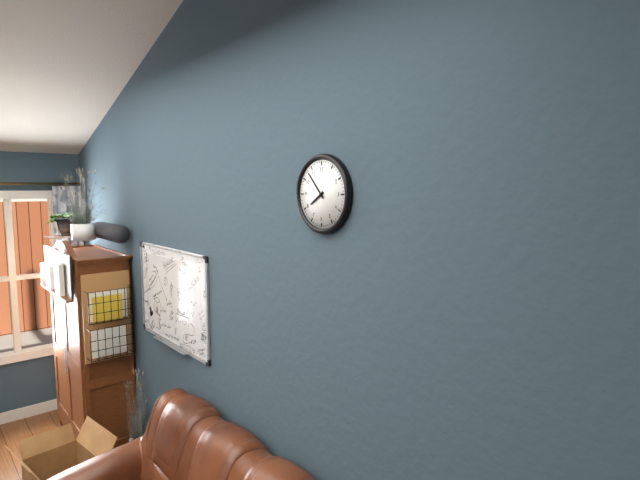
7:53
